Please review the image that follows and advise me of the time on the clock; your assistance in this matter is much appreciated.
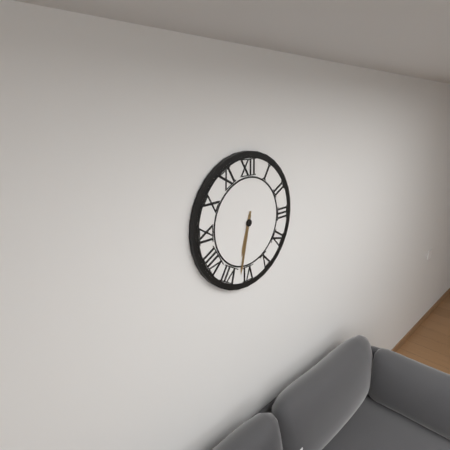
6:32
